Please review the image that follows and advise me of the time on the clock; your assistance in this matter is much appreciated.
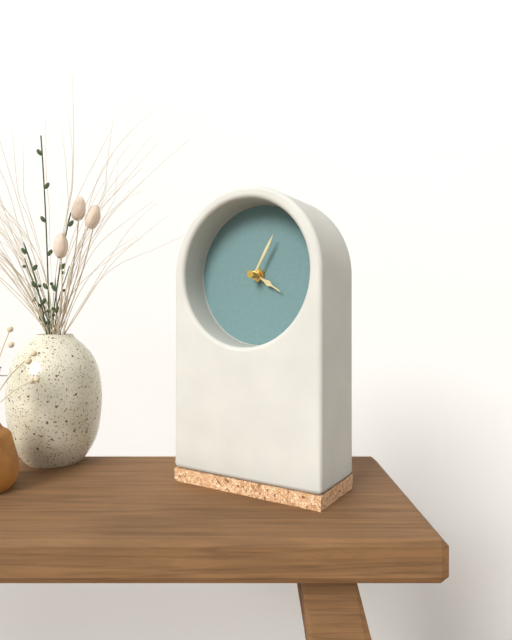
4:05
